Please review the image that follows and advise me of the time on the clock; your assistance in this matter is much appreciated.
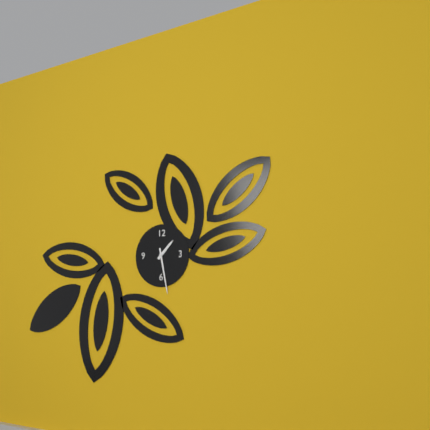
1:28
